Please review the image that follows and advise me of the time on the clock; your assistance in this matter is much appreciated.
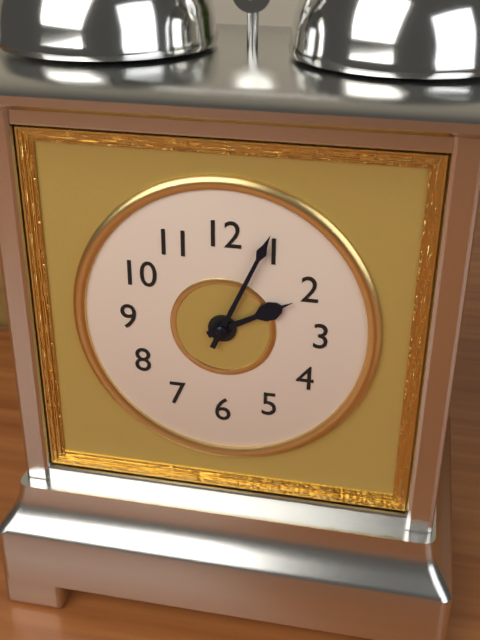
2:04
